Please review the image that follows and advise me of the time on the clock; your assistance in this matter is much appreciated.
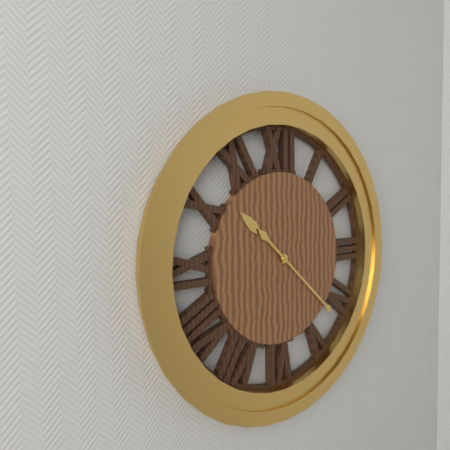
10:22
